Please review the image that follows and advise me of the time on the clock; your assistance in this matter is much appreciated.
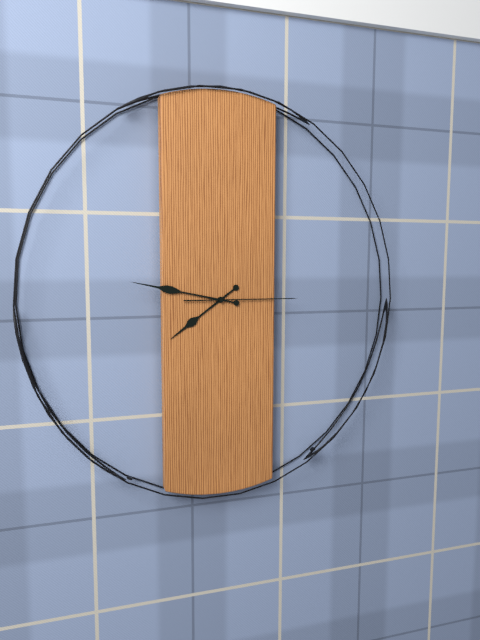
7:47:15
